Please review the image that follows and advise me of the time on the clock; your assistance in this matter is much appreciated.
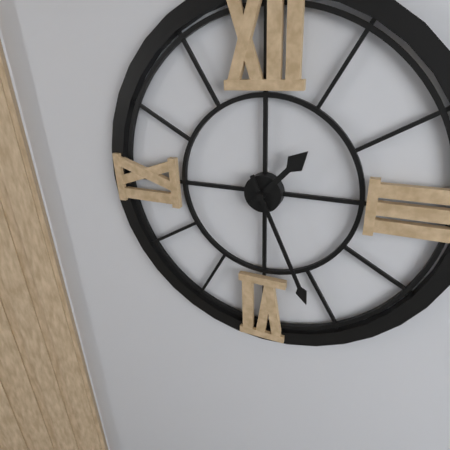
1:26
